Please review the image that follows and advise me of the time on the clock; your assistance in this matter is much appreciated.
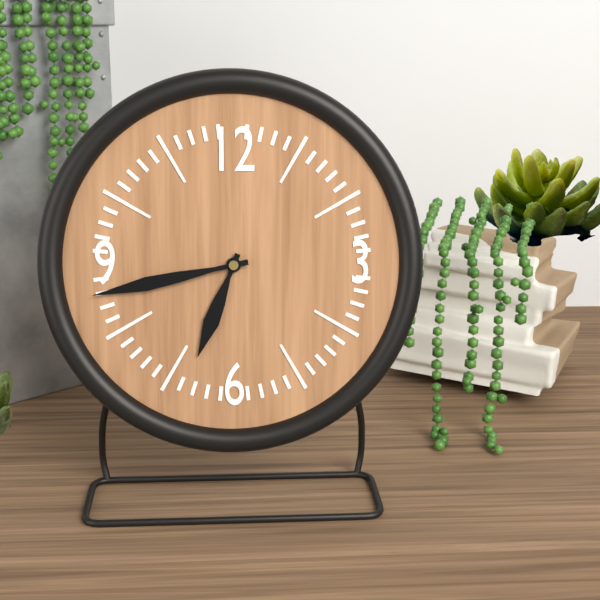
6:43
